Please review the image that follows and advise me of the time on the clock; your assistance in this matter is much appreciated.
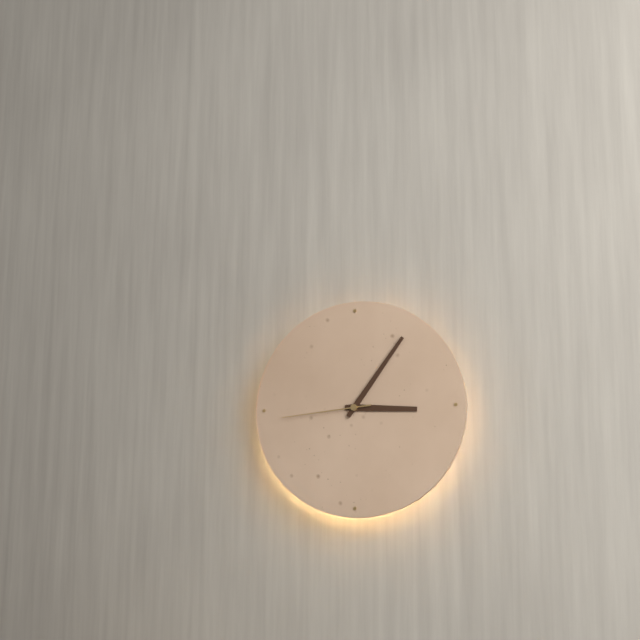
3:06:44
